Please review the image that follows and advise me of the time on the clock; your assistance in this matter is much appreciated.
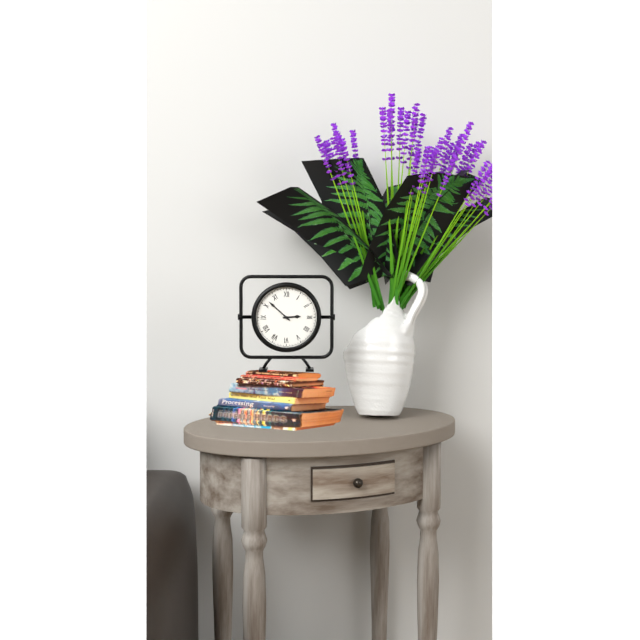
2:52
